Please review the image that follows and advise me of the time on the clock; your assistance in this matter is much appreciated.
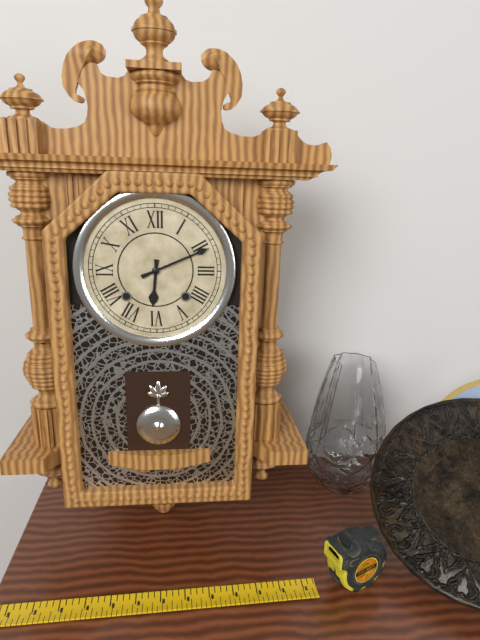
6:11
